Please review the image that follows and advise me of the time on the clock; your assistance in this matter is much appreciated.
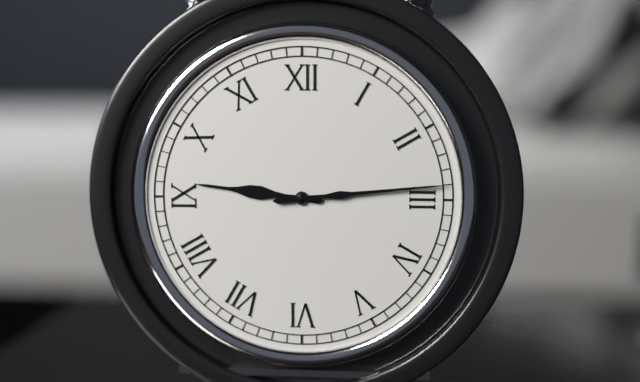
9:14
